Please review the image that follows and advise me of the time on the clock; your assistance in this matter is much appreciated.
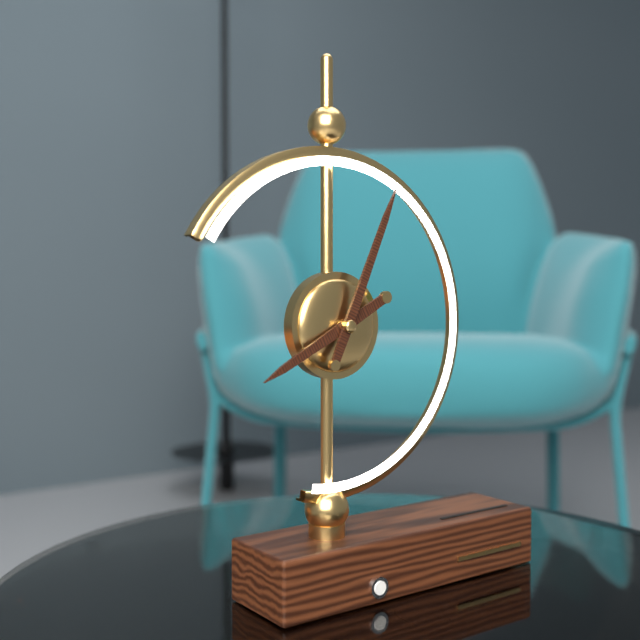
8:04
